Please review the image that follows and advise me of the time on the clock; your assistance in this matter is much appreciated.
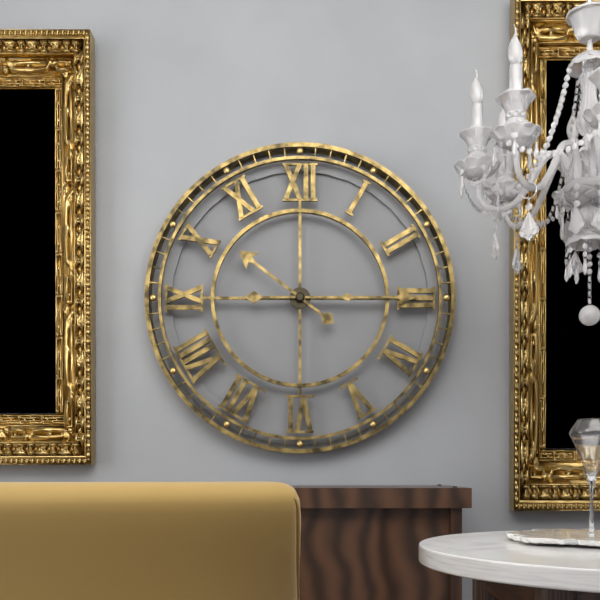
10:15
